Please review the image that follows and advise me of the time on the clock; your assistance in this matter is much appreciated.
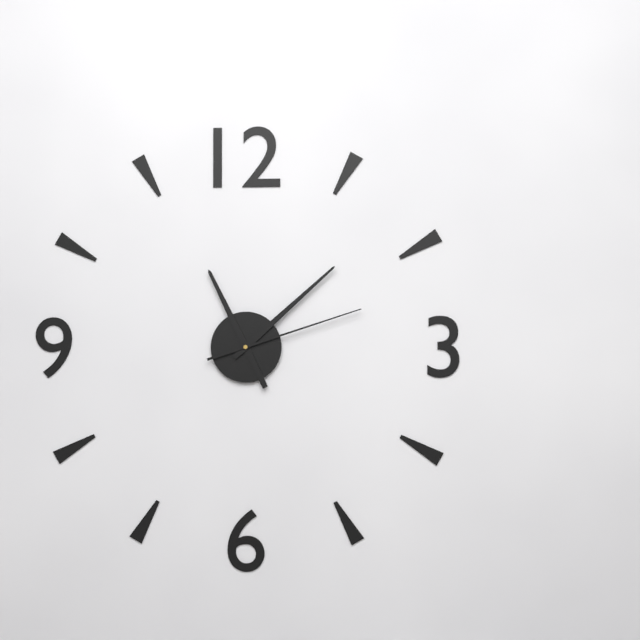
11:08:12
